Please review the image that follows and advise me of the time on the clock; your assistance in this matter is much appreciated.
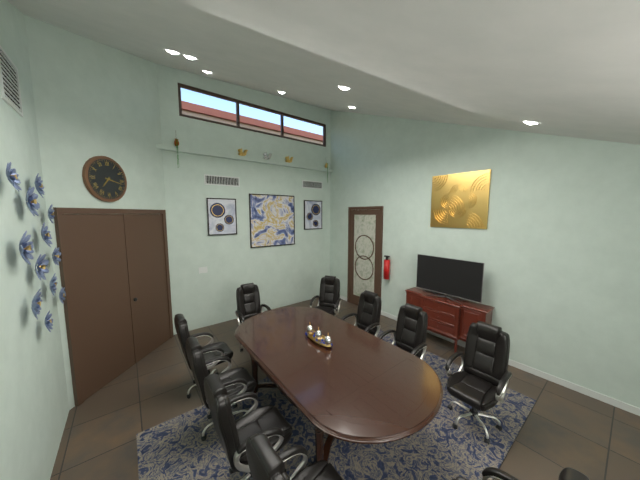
7:17
